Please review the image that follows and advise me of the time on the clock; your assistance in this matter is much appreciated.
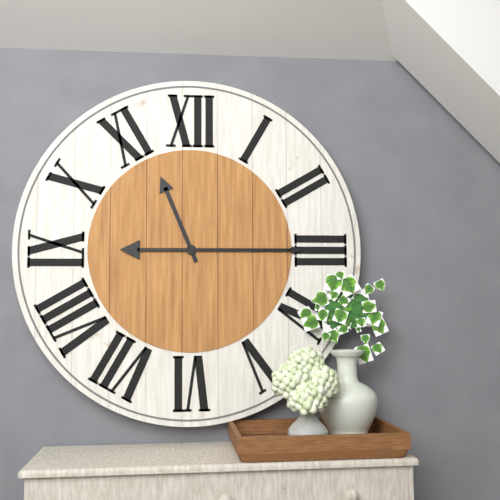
11:15
